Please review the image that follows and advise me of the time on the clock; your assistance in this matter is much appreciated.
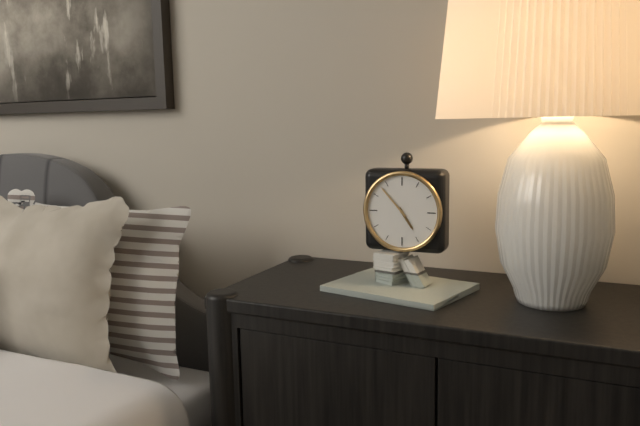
4:53
